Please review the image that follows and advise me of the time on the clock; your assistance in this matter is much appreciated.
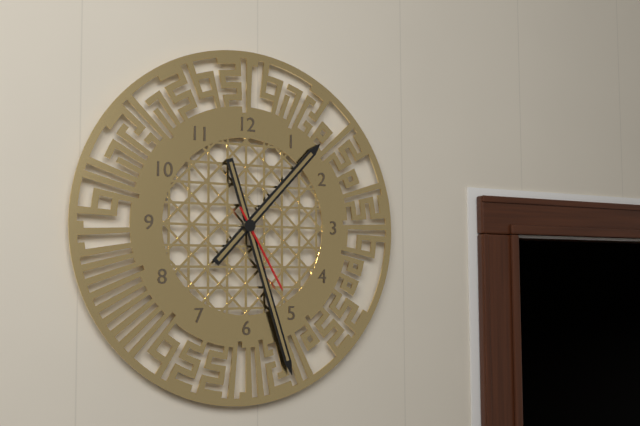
1:27:25
